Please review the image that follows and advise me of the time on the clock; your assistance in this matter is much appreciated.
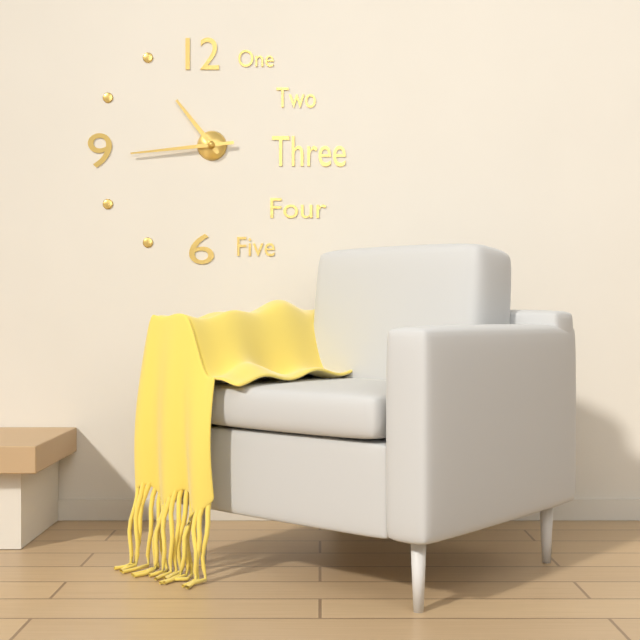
10:44
